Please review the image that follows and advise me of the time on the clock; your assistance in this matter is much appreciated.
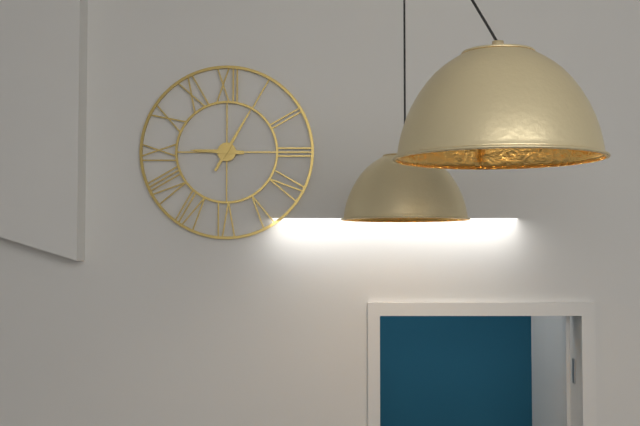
9:05
